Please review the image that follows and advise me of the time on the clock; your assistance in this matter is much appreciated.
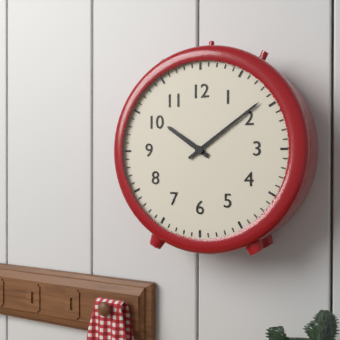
10:09
